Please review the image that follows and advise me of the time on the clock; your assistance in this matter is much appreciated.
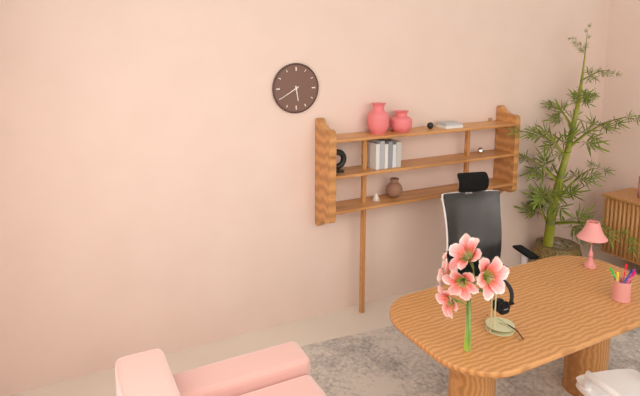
5:40
